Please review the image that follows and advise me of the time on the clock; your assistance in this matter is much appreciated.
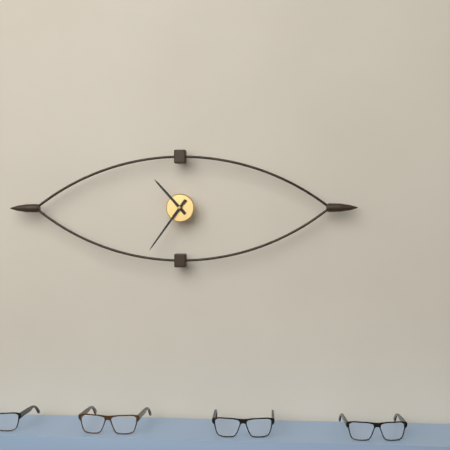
10:36
